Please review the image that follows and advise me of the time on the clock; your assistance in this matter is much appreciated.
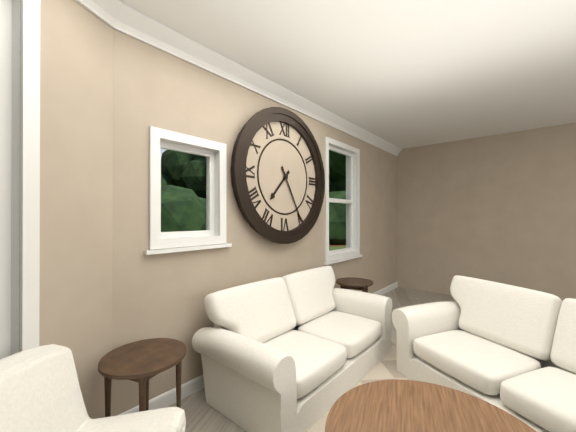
7:25
